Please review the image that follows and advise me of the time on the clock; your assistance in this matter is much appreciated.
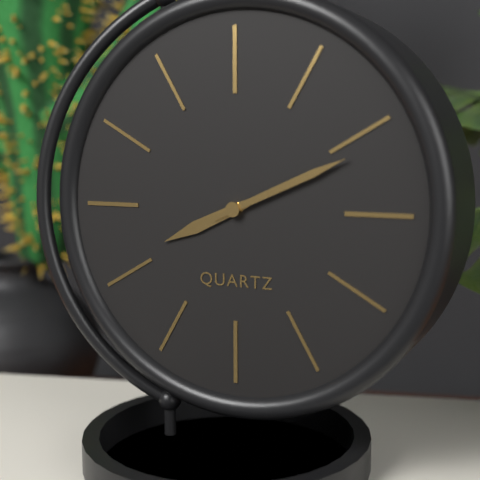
8:11
